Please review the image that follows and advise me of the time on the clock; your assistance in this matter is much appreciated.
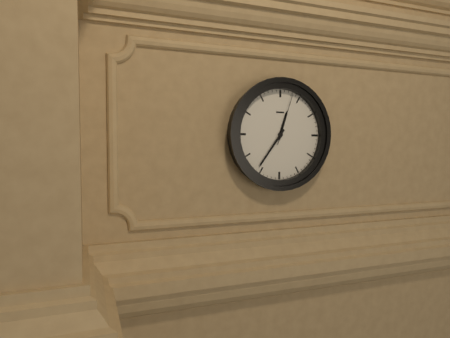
12:36:03
